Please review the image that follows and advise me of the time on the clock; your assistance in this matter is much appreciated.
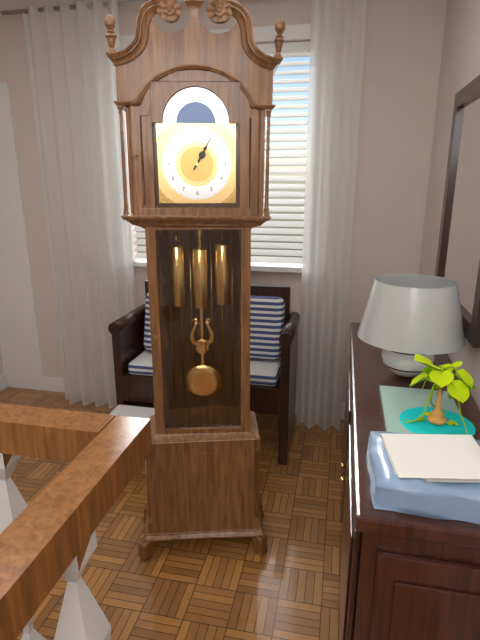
1:05
